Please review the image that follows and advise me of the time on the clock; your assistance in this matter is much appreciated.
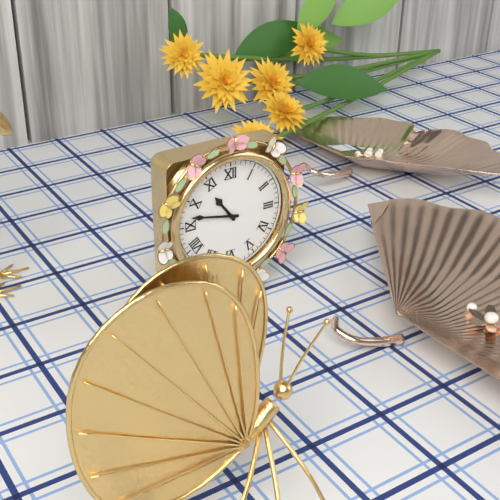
10:47
